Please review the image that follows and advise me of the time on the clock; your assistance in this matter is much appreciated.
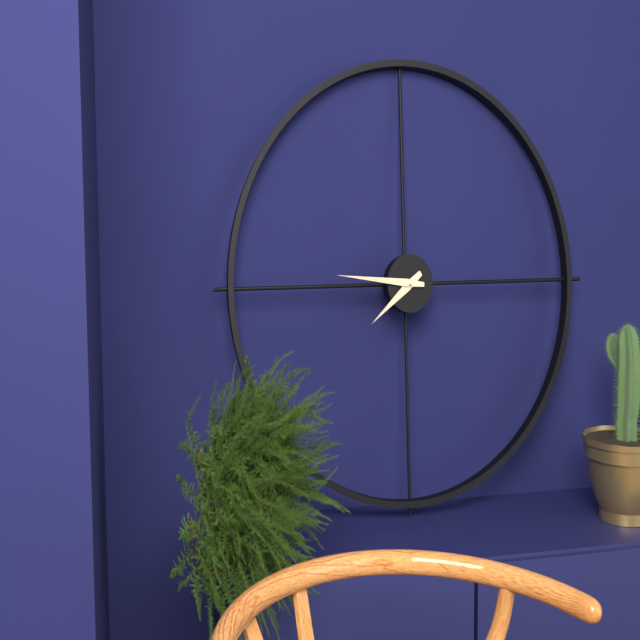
7:46
